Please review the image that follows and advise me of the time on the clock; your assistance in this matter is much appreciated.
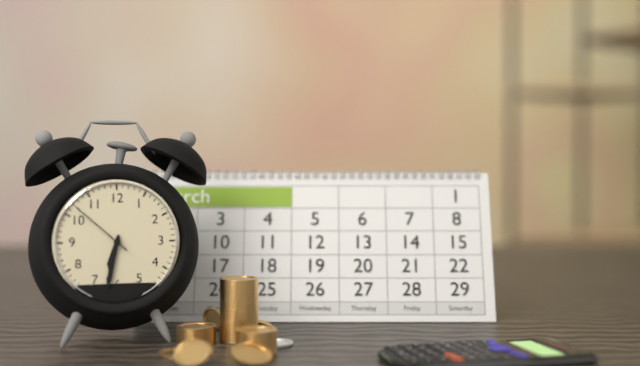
6:32:52
